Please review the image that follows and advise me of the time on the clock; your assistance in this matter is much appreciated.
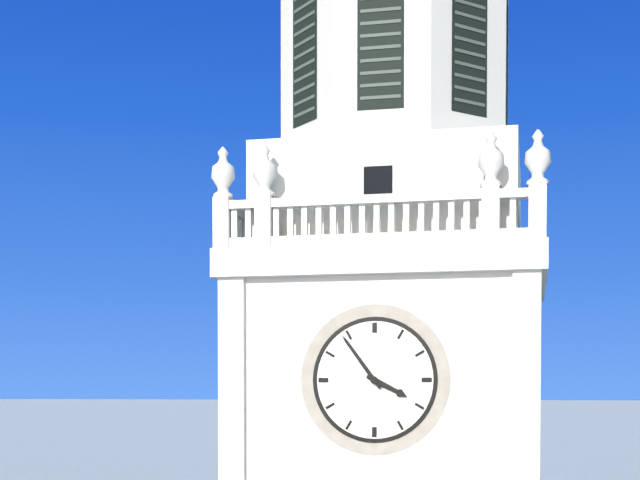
3:54
